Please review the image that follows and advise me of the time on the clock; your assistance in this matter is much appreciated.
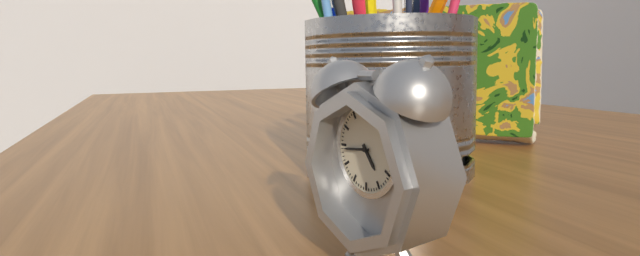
4:44
